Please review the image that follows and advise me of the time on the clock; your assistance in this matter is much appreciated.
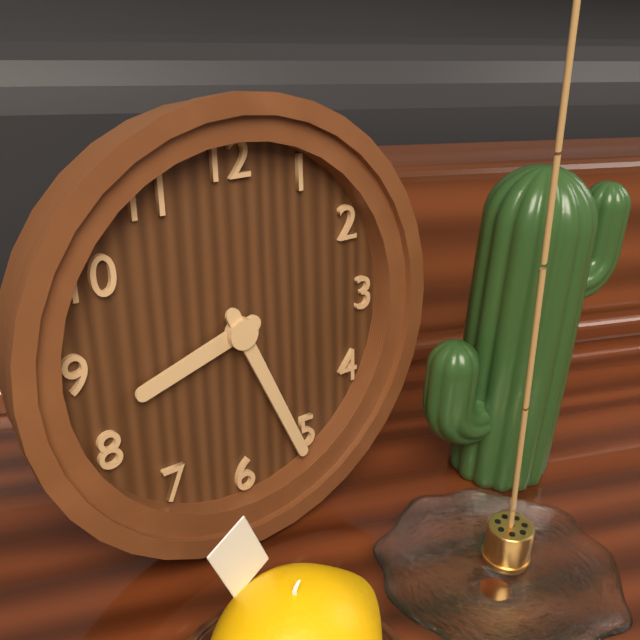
8:26
